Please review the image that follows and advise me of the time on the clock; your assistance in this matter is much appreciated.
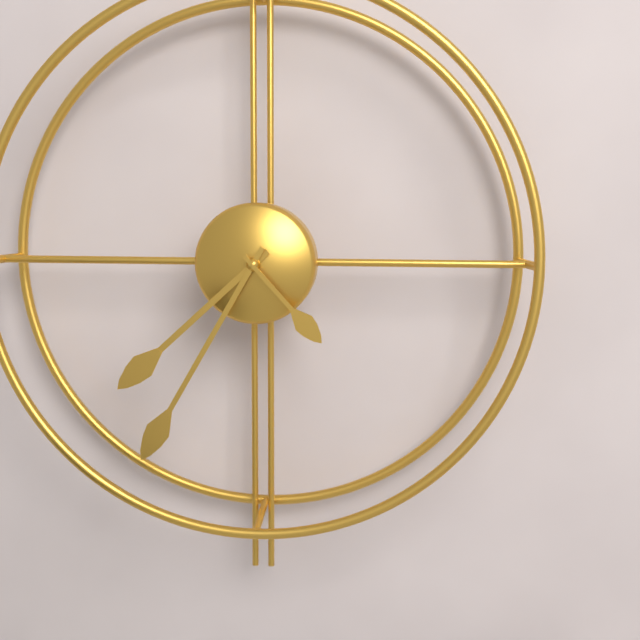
7:35:23
